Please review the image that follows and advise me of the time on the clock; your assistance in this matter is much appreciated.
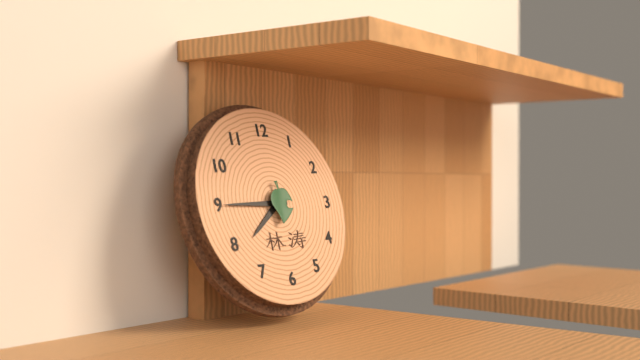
7:45
